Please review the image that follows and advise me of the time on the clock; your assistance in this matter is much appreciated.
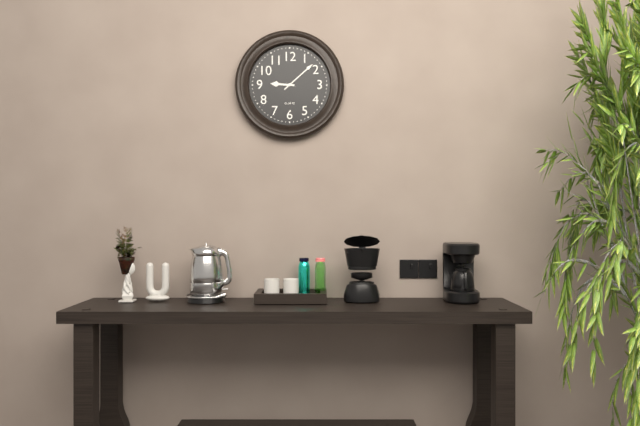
9:08
